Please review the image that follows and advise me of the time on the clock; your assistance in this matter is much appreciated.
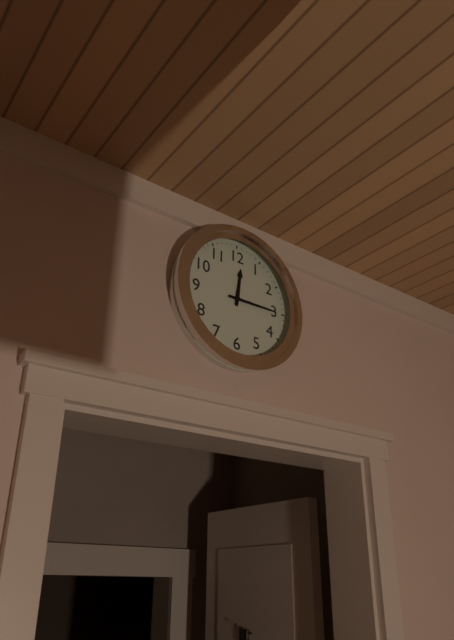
12:15
